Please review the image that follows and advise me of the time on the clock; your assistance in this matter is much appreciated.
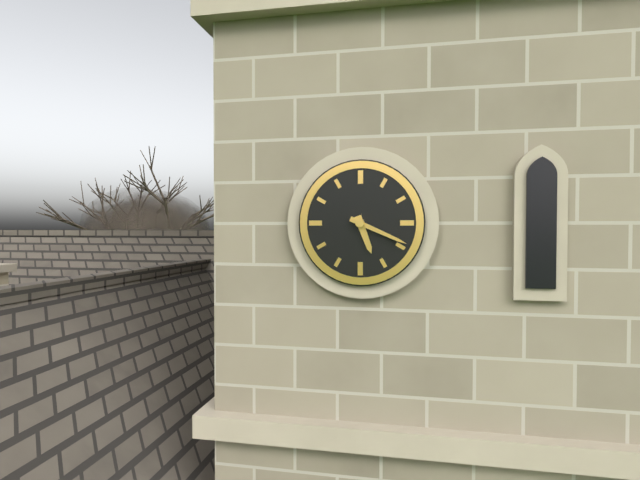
5:19
